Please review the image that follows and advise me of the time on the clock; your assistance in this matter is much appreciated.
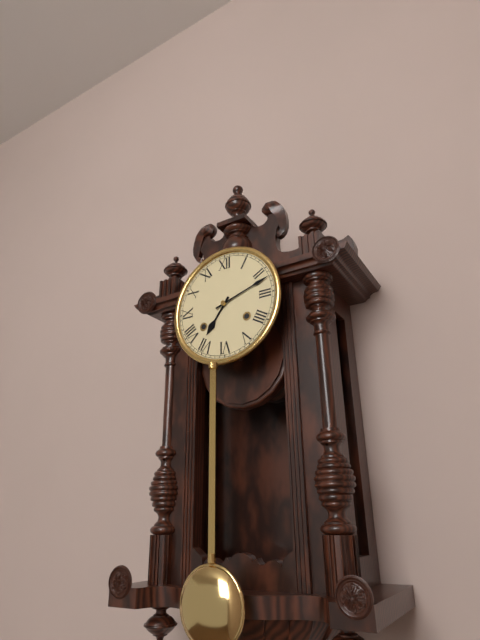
7:12
